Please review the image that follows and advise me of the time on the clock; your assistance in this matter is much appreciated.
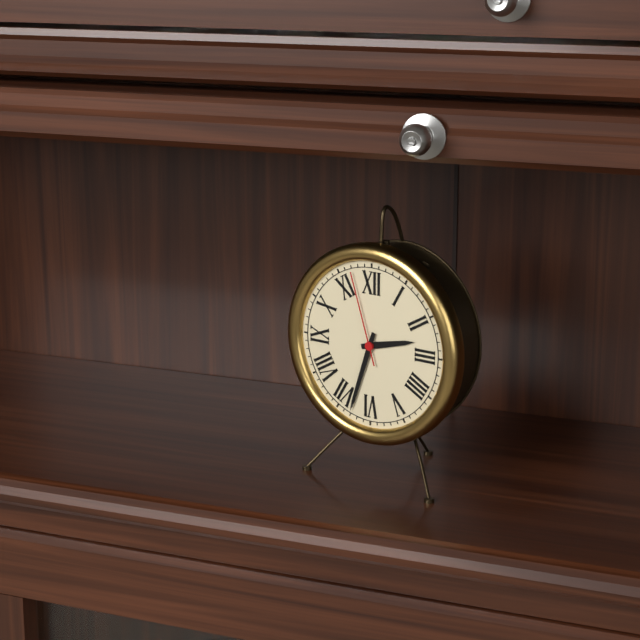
2:33:57
